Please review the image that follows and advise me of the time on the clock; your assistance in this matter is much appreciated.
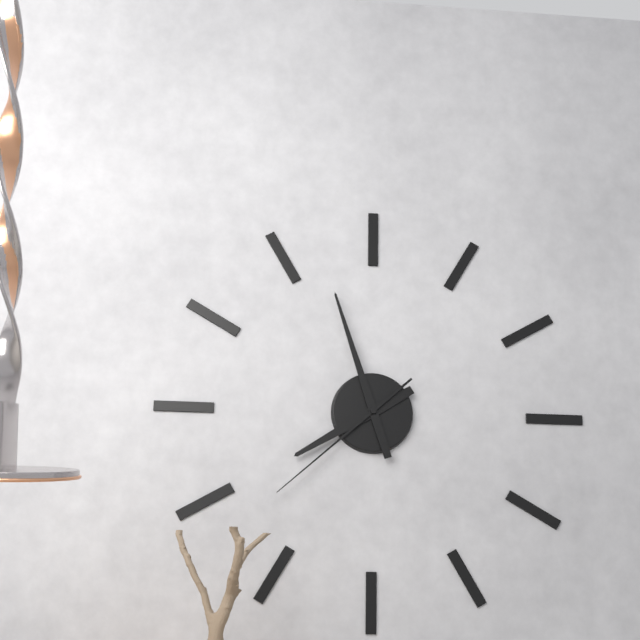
7:57:38
